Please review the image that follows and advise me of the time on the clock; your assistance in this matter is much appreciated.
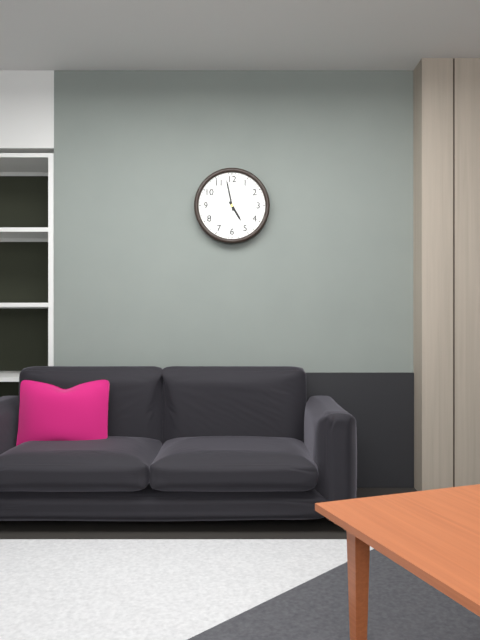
4:58
